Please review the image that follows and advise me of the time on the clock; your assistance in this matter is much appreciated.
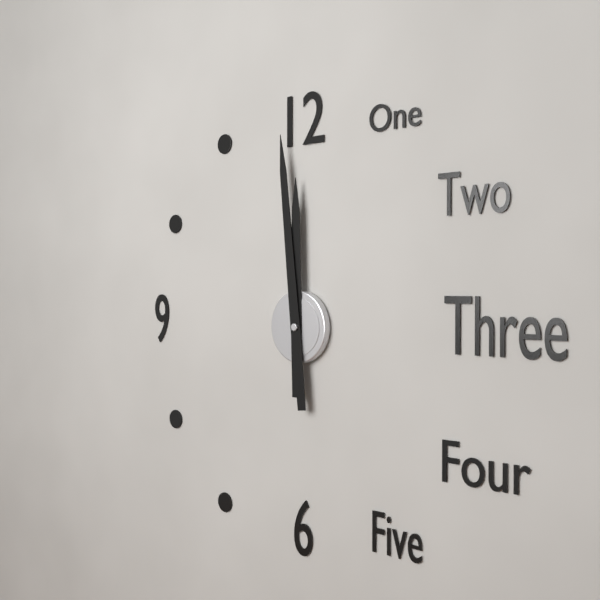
11:59
